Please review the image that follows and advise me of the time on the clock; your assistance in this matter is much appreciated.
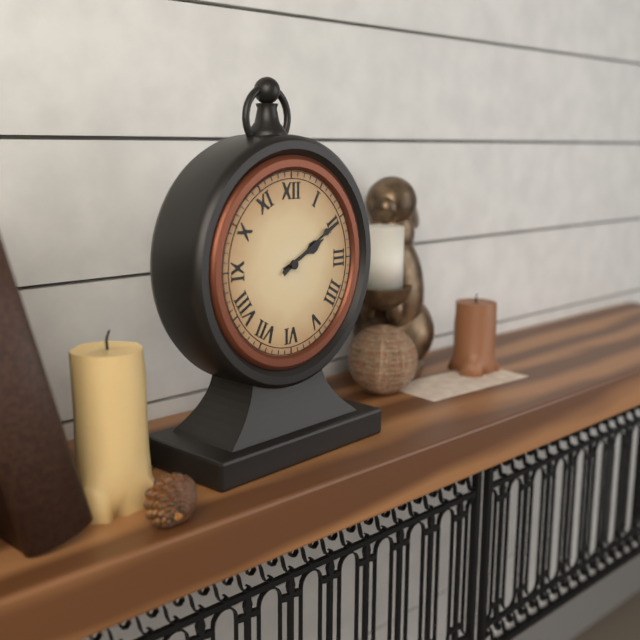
2:10
